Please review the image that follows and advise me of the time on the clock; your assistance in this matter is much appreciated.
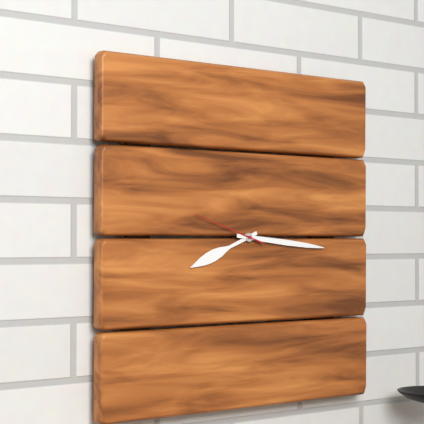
8:16:48
